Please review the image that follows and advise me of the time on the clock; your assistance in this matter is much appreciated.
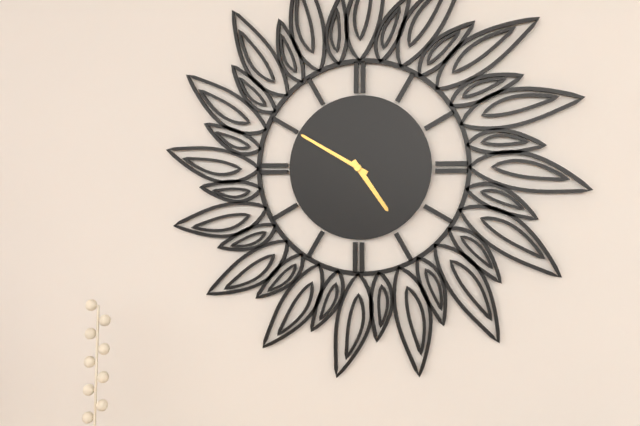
4:50
